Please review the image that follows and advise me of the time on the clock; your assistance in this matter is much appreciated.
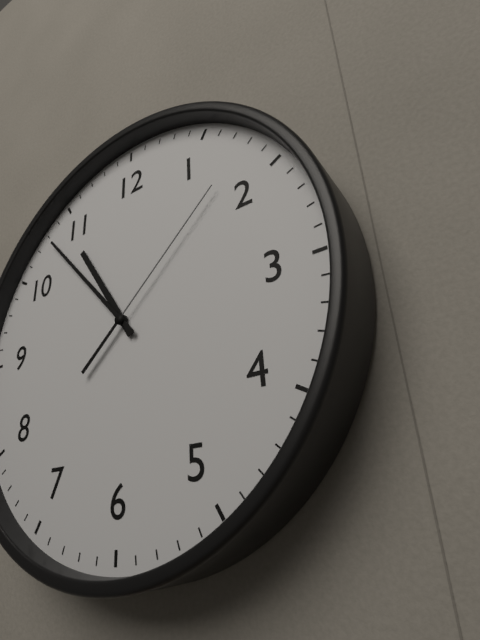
10:53:08
